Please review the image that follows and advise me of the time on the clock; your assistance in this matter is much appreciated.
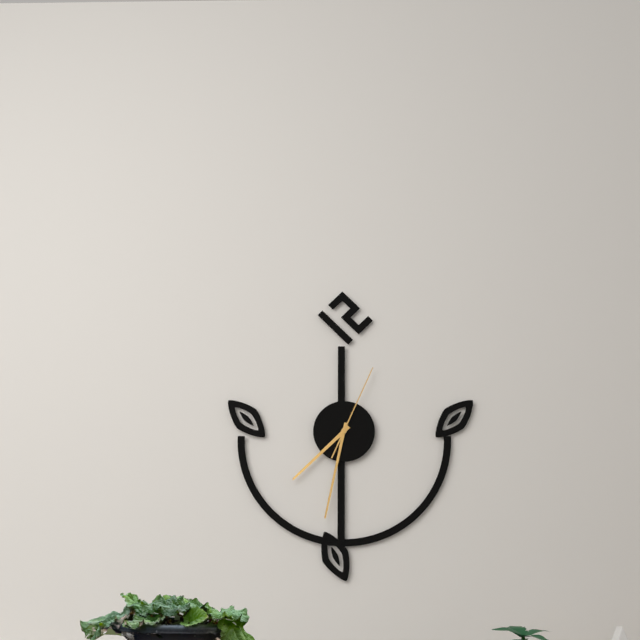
7:32:04
